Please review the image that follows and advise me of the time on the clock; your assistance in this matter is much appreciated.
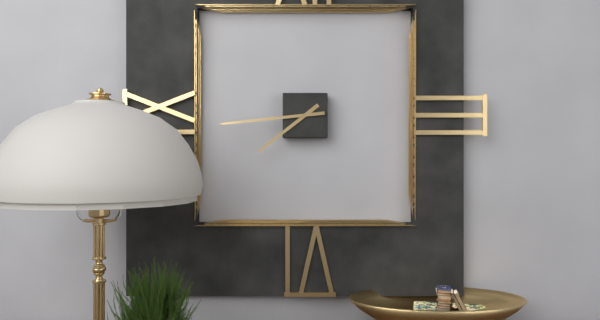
7:44
